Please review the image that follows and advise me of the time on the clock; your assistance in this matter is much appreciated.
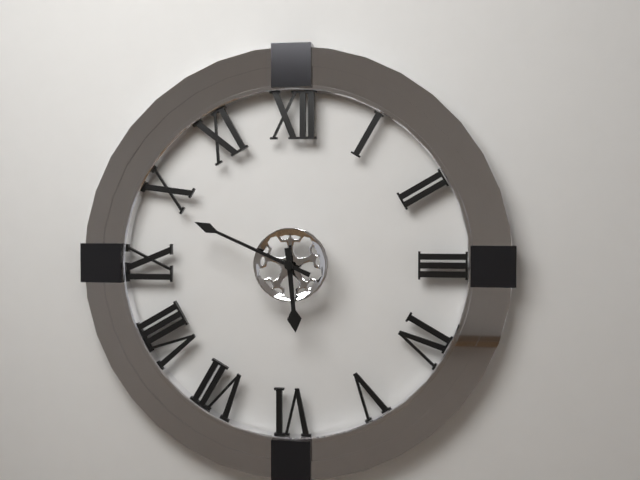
5:49
